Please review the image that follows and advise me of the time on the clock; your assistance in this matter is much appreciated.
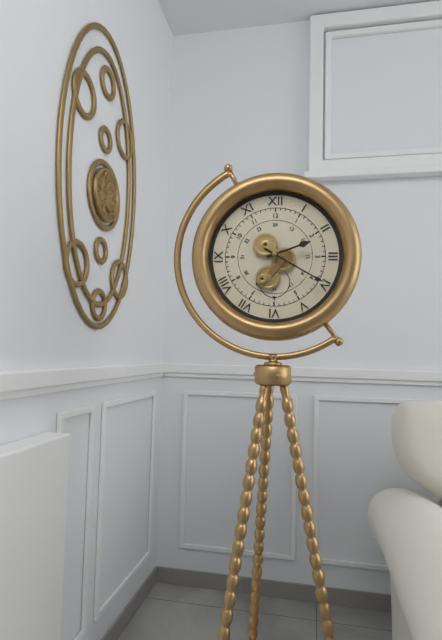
2:20
